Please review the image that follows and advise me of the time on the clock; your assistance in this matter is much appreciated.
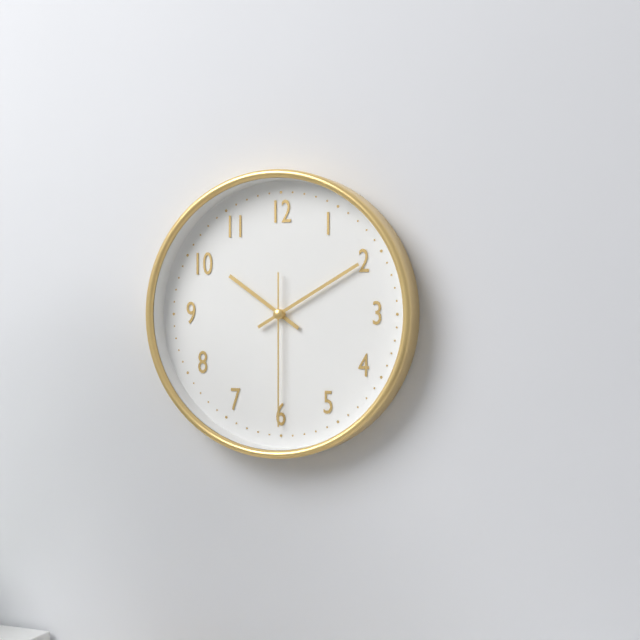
10:10:30
